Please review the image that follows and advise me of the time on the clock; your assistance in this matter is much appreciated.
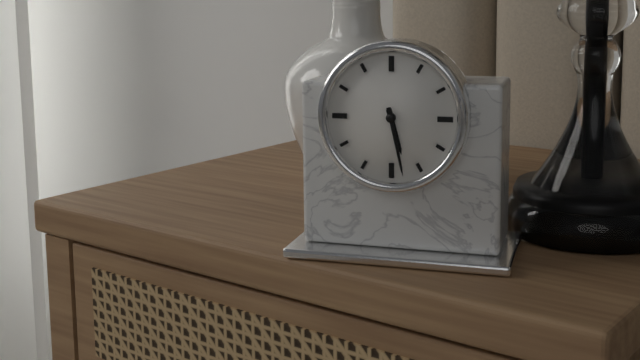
5:28
